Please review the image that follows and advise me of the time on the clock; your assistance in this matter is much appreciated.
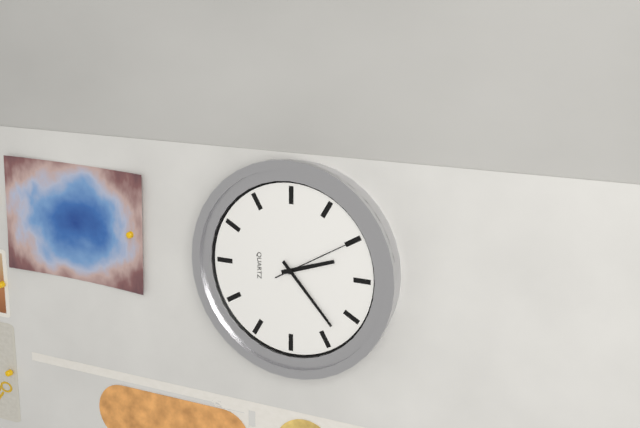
2:23:10
